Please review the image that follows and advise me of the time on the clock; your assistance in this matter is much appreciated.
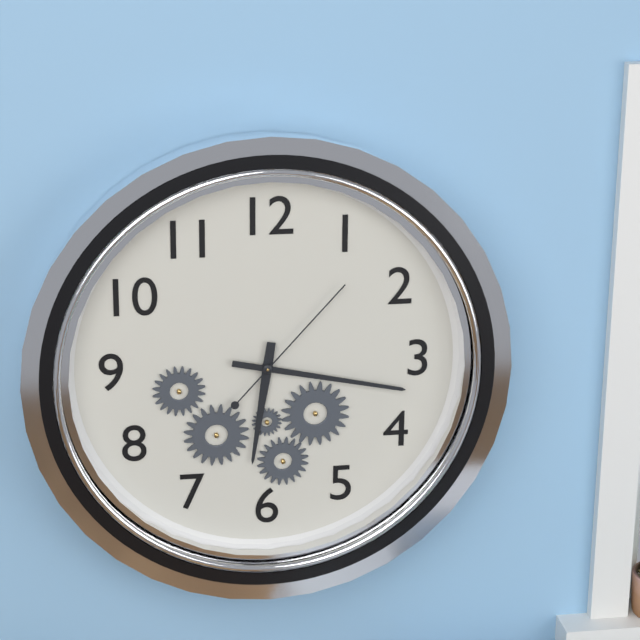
6:17:07
